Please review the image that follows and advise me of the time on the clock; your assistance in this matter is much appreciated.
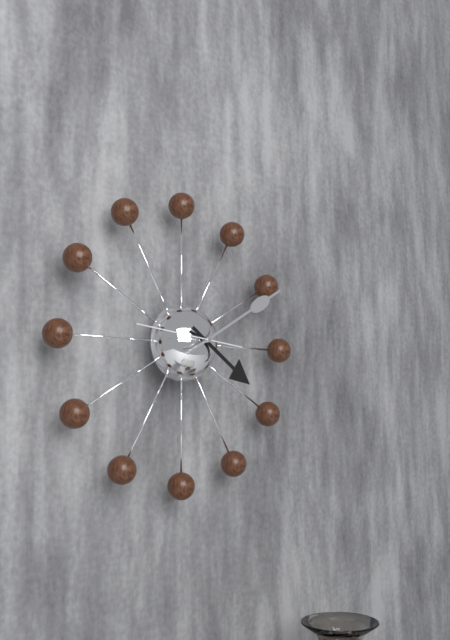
4:10:46
